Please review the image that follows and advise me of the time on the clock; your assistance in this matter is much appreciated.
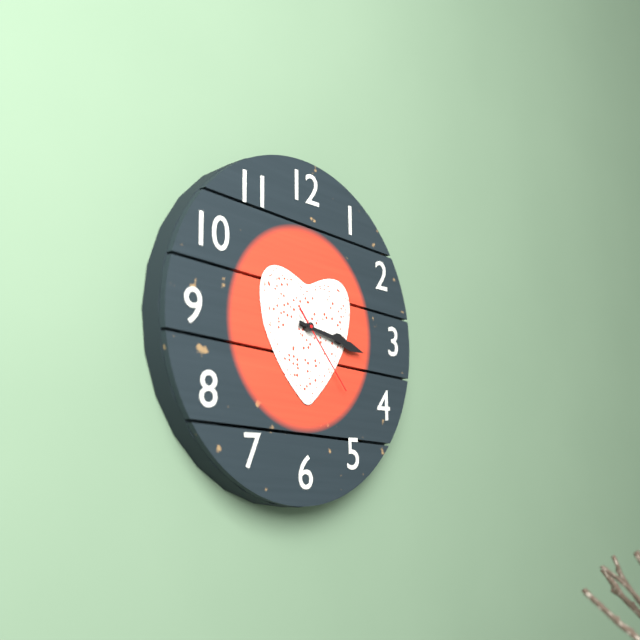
3:17:23
